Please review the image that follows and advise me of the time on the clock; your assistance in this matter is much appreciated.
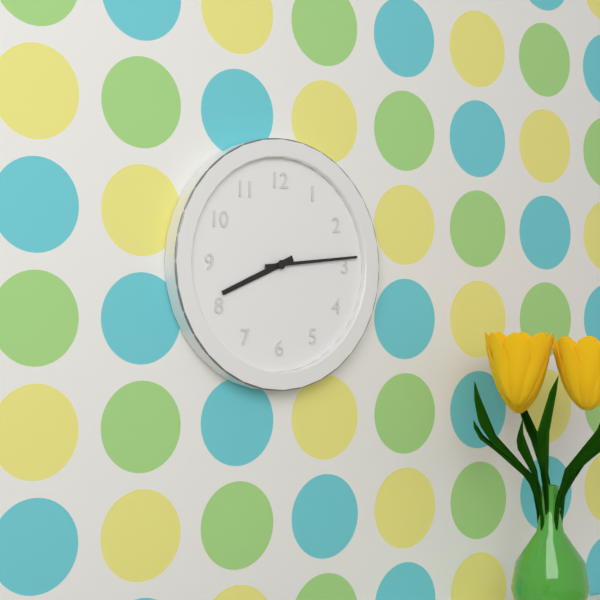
8:14
